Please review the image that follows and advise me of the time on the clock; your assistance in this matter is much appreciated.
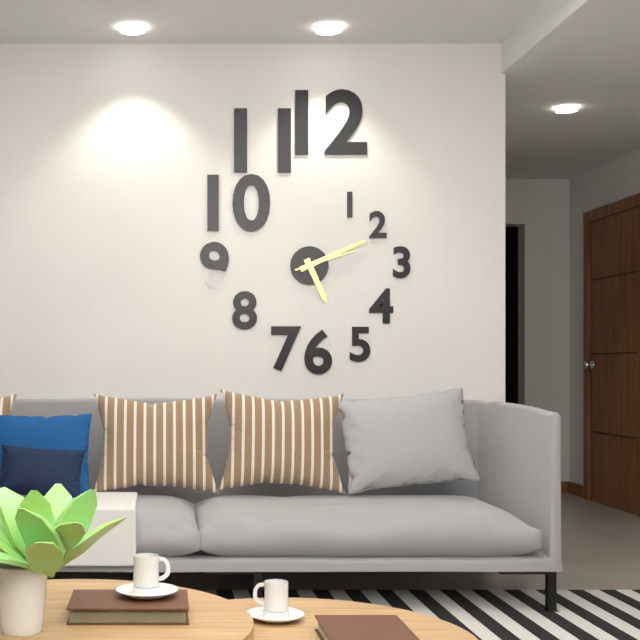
5:11:12
